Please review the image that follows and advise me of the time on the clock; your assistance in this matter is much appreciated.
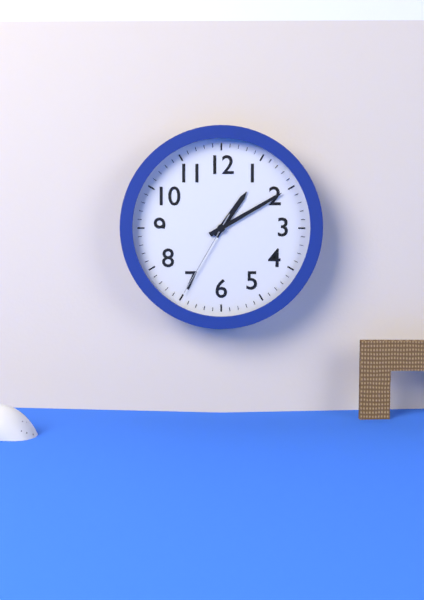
1:10:35
